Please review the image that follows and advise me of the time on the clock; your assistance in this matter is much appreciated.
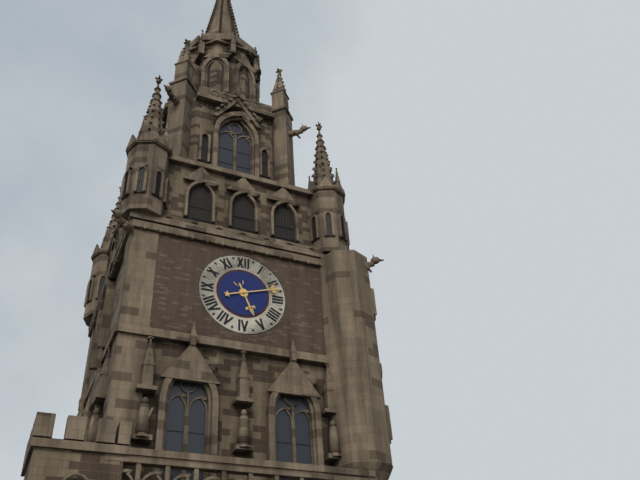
5:12
